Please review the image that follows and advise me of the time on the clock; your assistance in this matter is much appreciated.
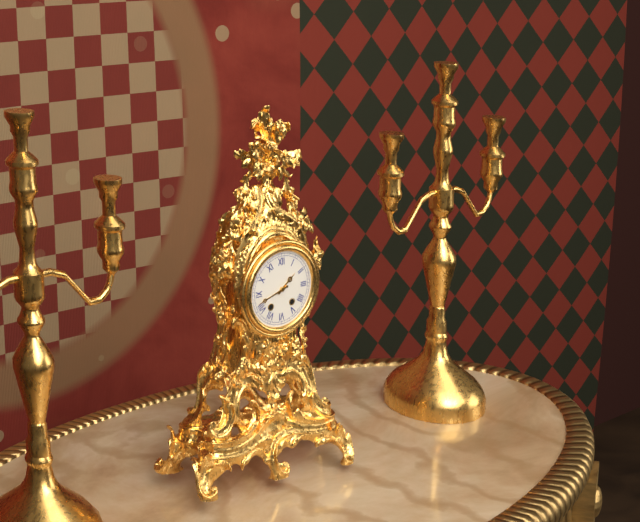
1:42
